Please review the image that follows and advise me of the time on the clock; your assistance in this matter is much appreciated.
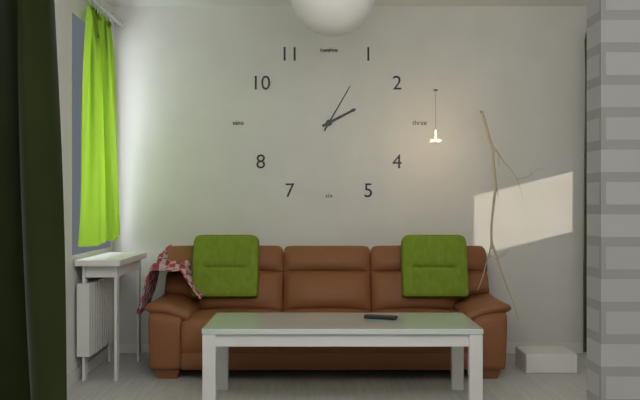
2:05
